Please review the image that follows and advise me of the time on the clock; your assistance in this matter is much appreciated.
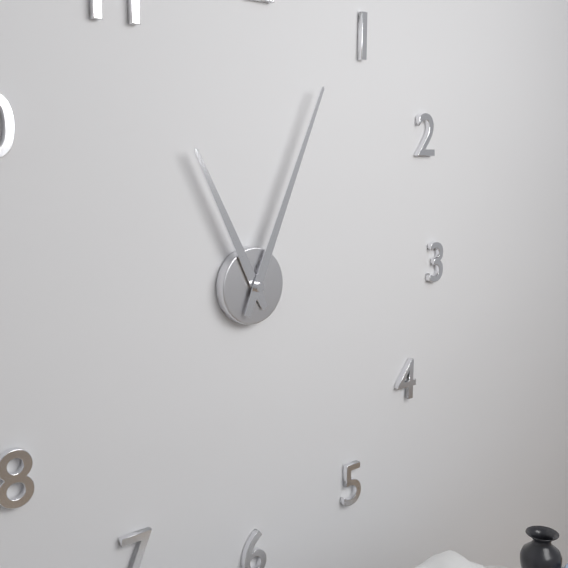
11:04
